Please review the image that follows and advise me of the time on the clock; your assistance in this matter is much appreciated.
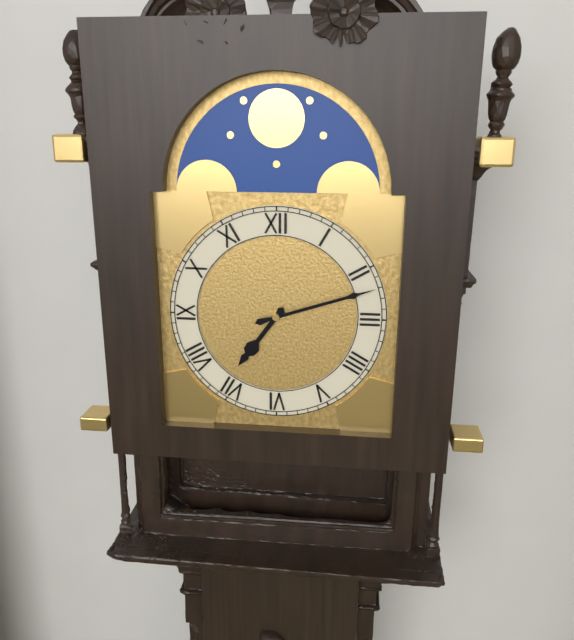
7:12
